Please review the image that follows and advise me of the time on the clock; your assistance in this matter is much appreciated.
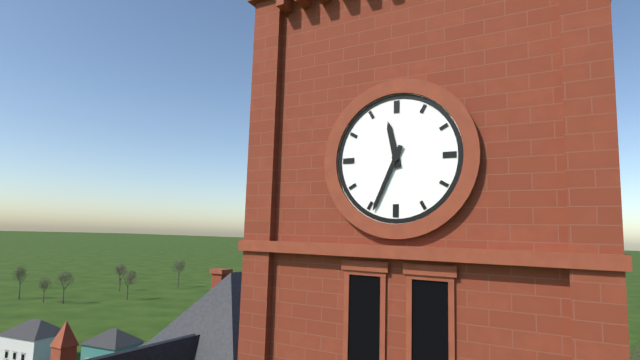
11:34
